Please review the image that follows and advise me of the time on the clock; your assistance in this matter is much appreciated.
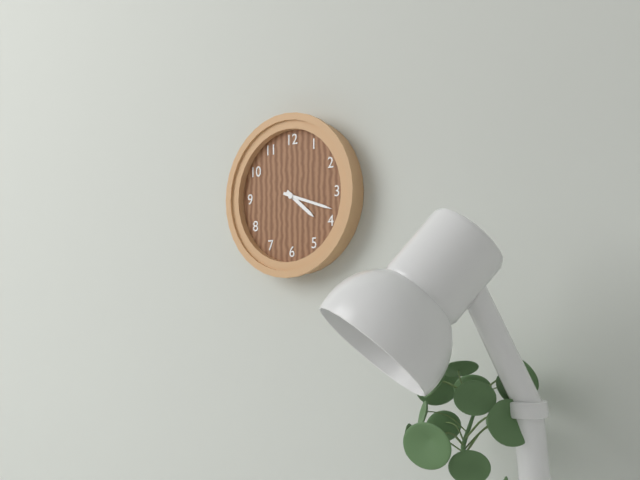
4:18
